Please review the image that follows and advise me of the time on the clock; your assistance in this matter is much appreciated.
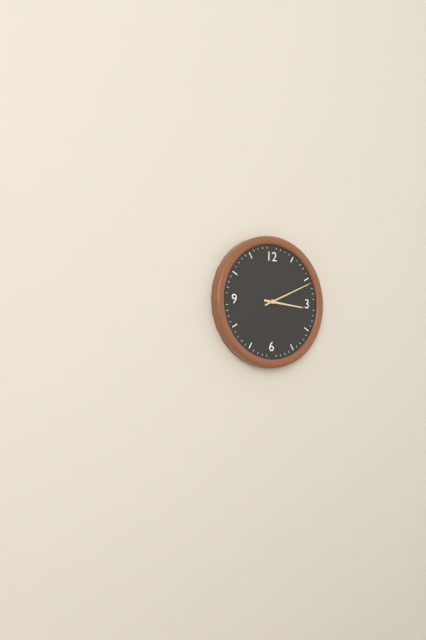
3:11
